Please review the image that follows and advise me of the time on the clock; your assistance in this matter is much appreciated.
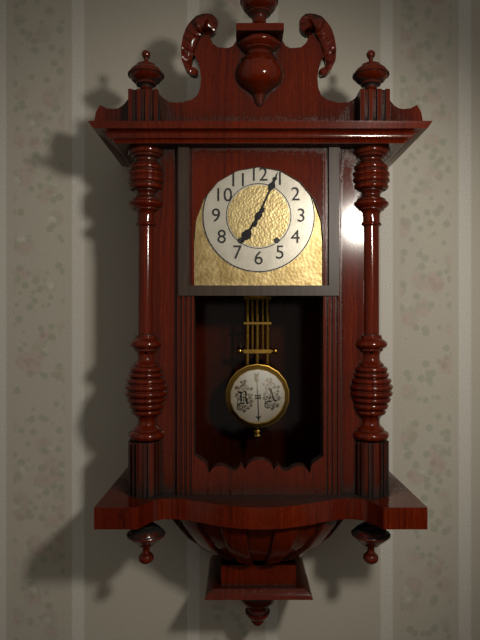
7:04
